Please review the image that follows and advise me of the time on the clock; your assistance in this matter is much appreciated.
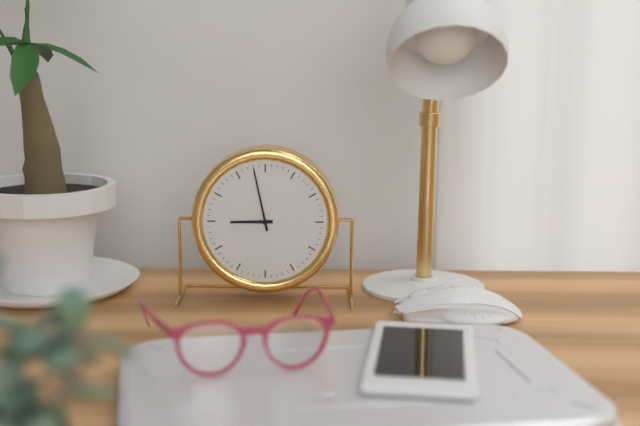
8:58
